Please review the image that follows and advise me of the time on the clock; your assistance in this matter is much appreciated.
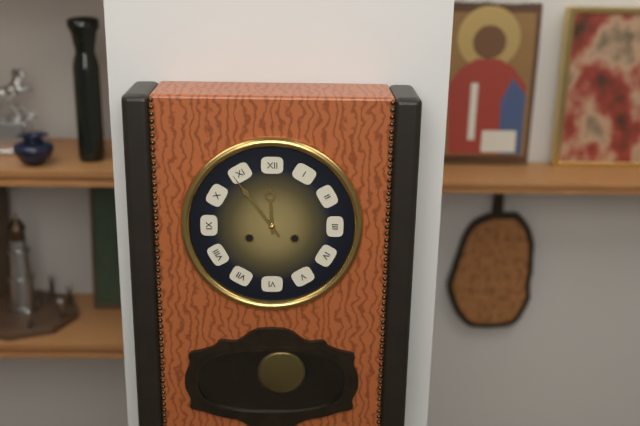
11:54
